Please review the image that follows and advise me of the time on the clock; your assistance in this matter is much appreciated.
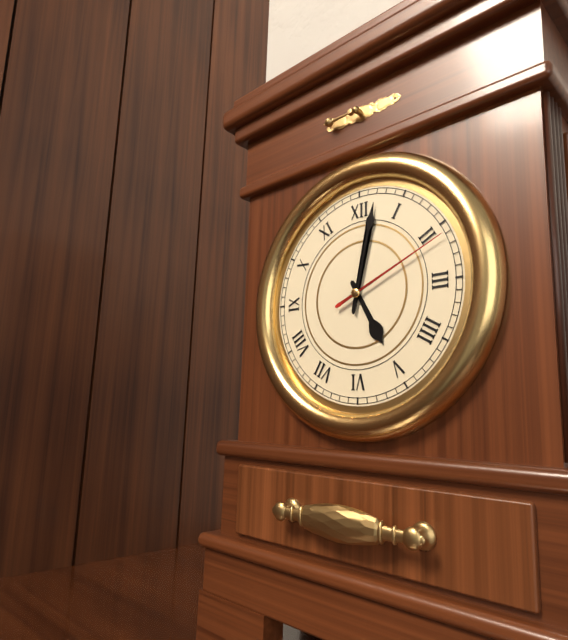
5:02:11
